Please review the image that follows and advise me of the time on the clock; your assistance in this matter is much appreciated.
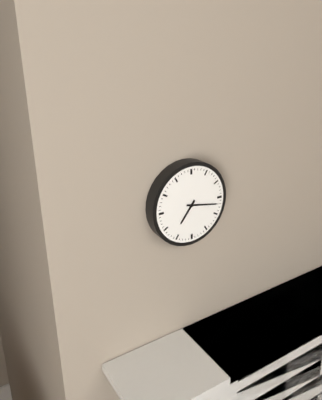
7:17
